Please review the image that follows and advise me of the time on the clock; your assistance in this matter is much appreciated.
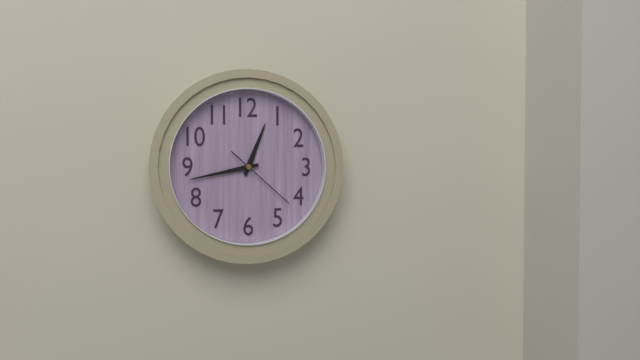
12:43:22
